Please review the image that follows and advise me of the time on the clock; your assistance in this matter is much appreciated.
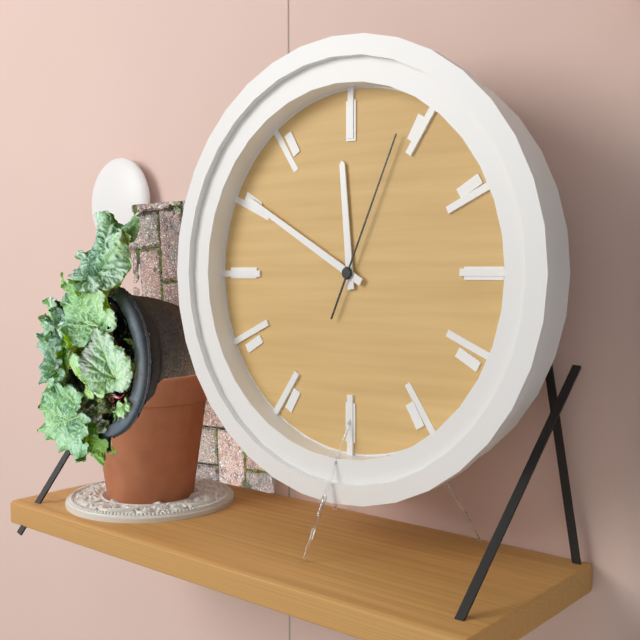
11:50:04
